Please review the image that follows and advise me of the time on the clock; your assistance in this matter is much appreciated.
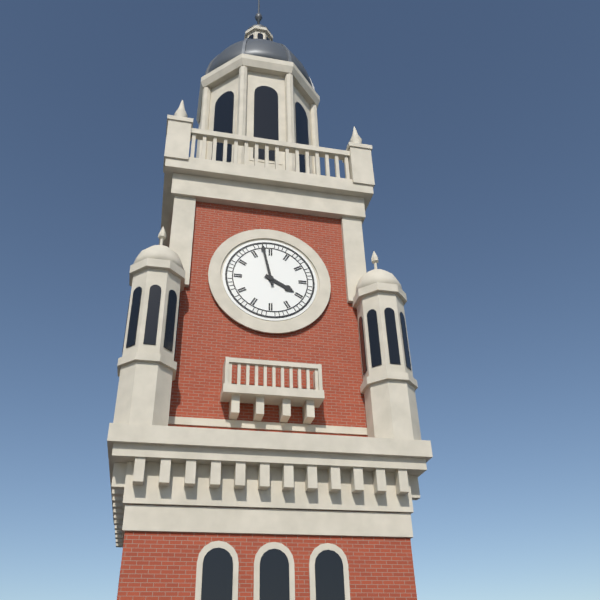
3:58
